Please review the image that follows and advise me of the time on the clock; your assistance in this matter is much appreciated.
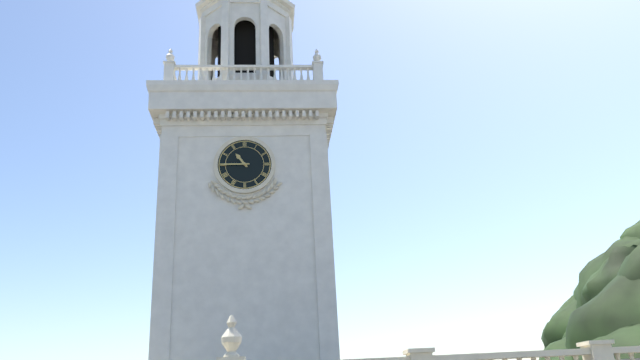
10:45
